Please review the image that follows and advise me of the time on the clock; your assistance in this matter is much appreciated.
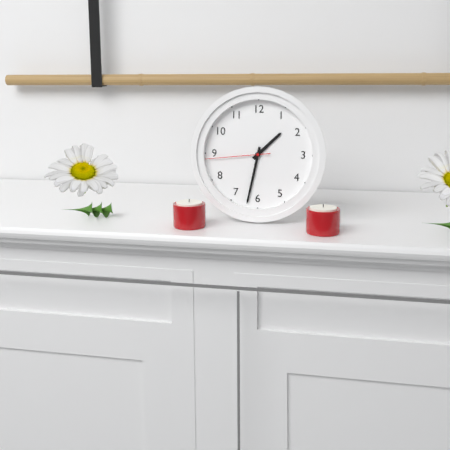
1:32:44
